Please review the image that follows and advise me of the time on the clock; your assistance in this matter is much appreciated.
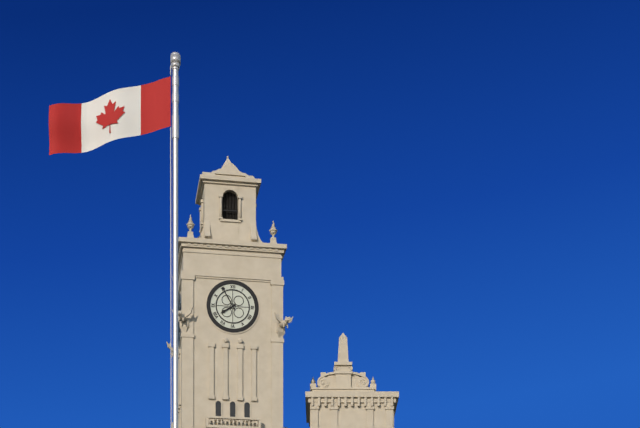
7:55
